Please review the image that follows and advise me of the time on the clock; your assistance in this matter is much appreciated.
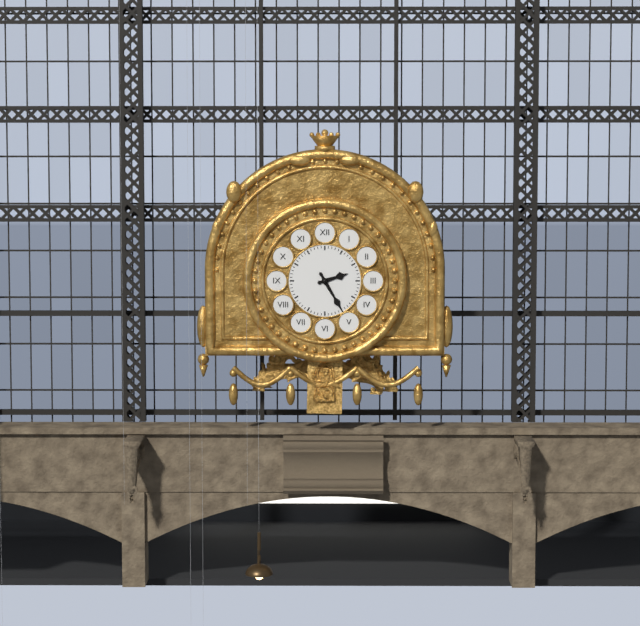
2:25
